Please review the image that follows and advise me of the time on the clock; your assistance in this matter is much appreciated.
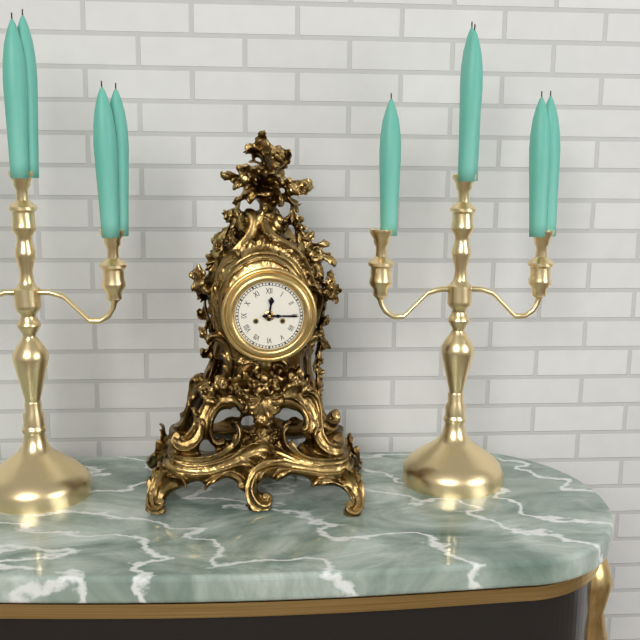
12:15
